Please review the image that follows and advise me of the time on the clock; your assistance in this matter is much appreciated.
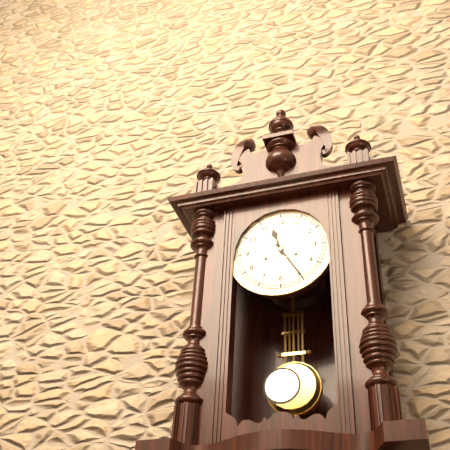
11:25
